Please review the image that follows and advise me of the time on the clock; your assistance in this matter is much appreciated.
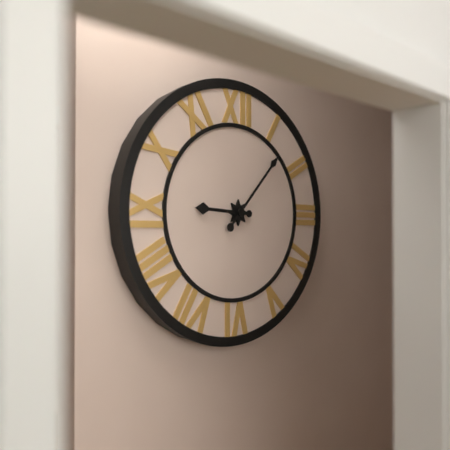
9:07
